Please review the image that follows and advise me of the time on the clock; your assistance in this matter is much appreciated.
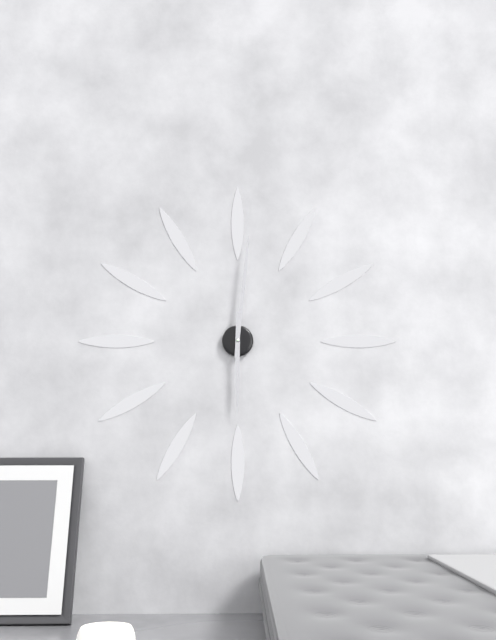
6:01
